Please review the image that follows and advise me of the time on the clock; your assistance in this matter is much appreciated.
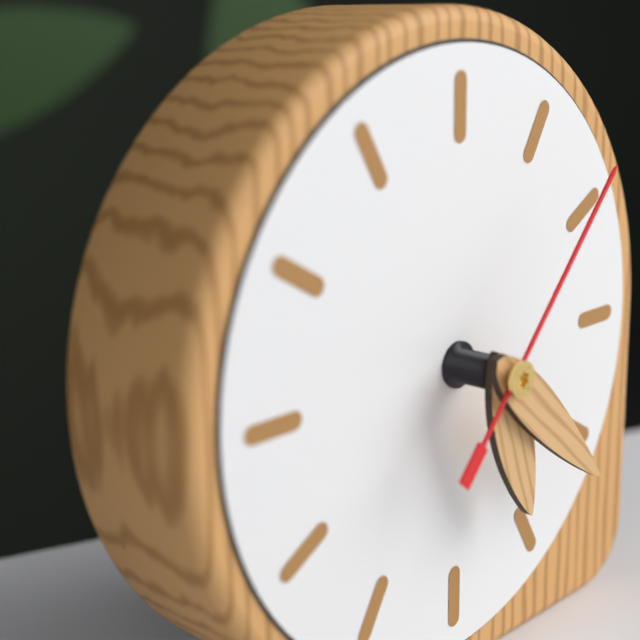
5:22:07
